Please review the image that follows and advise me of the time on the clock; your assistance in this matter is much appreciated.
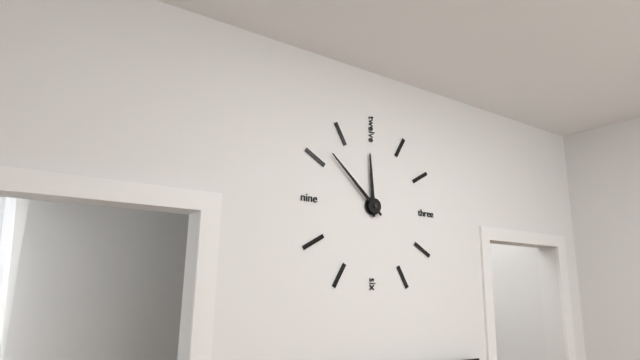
11:52
